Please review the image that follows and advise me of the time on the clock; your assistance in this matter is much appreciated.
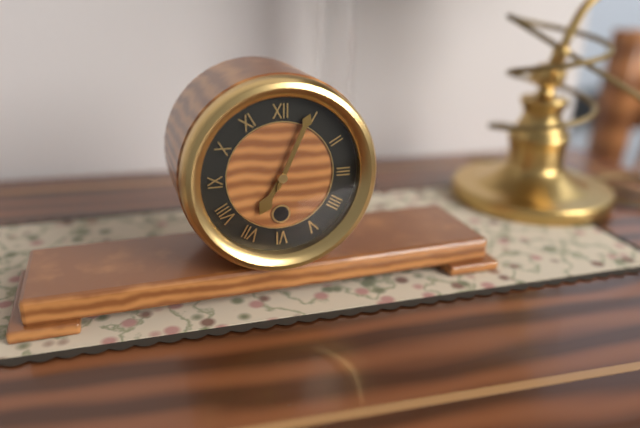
7:04
